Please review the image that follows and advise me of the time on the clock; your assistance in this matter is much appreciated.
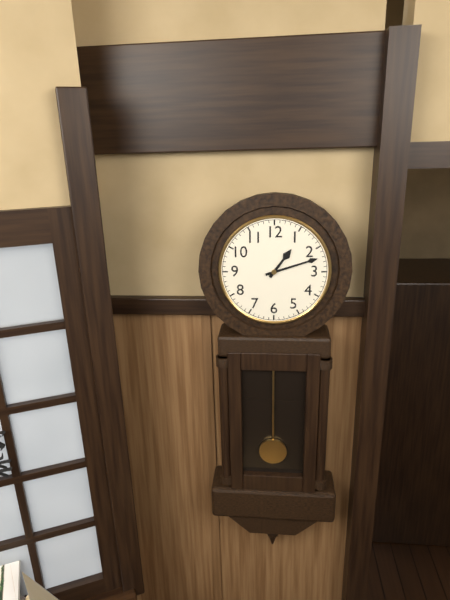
1:12
